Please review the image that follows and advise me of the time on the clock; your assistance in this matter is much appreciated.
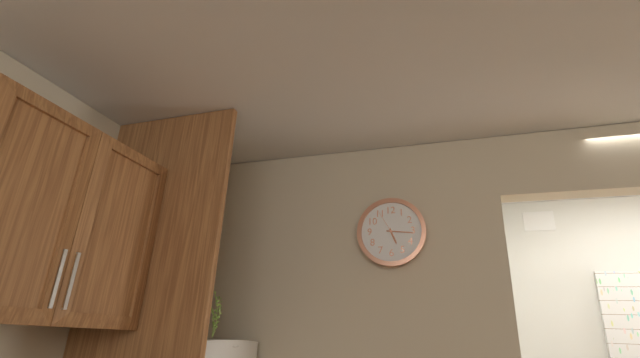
5:16
